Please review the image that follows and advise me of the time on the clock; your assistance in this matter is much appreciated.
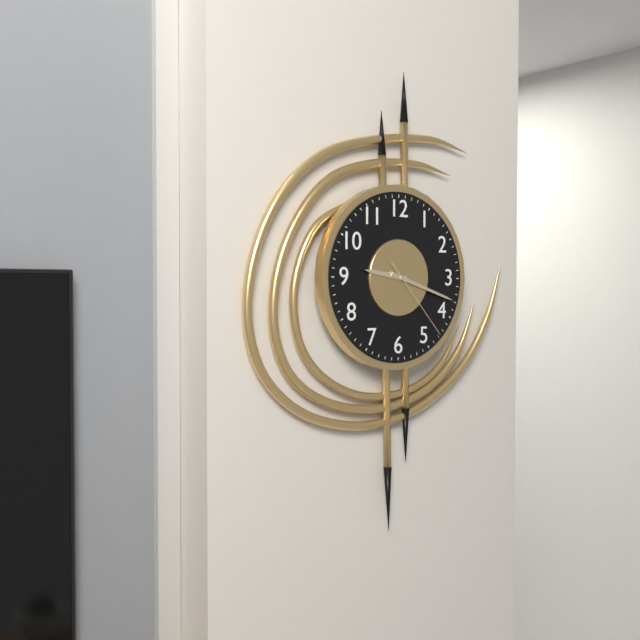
9:18:23
